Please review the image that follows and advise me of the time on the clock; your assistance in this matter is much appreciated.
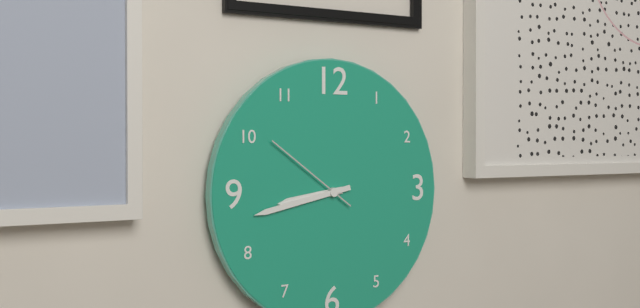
8:43:51
